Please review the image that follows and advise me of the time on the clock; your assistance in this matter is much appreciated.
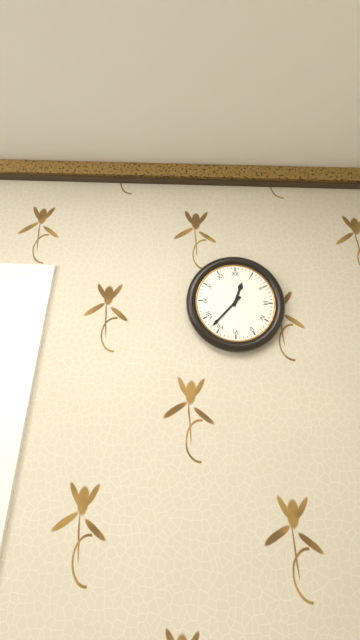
12:37
